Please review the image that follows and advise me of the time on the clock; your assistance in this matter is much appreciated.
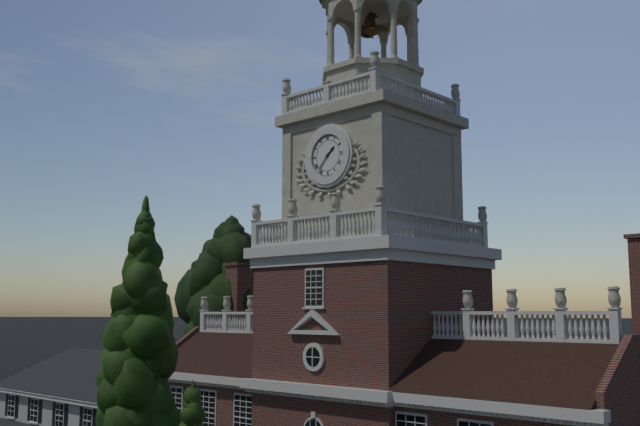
1:37
